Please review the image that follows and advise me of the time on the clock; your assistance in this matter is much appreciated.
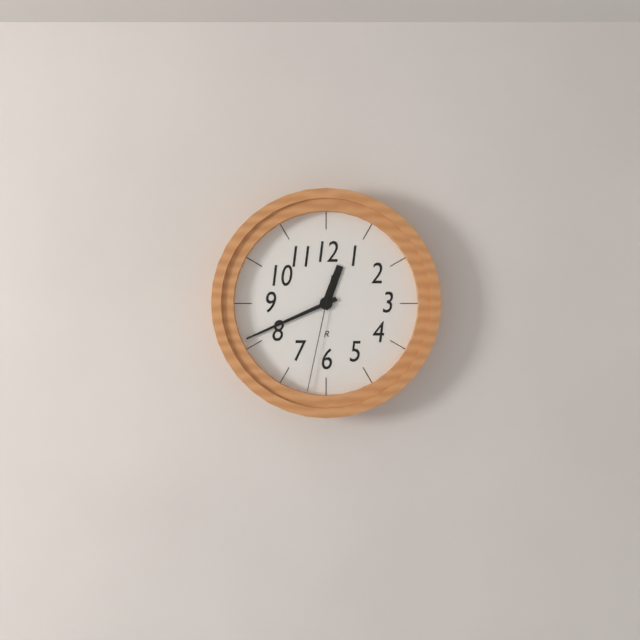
12:41:32
